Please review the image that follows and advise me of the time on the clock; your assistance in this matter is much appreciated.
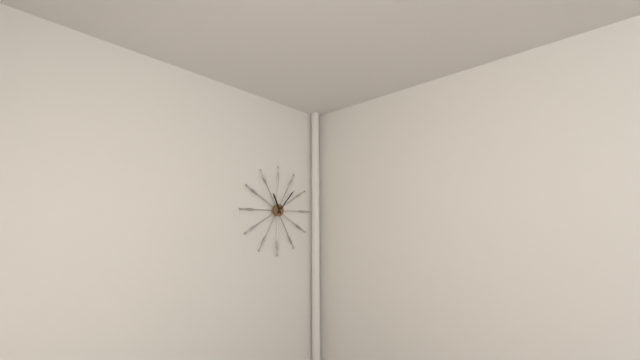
11:07
